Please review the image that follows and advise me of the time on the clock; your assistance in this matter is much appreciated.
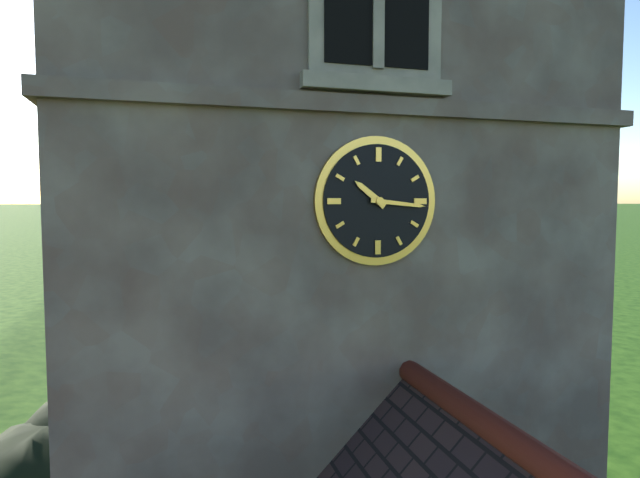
10:16
